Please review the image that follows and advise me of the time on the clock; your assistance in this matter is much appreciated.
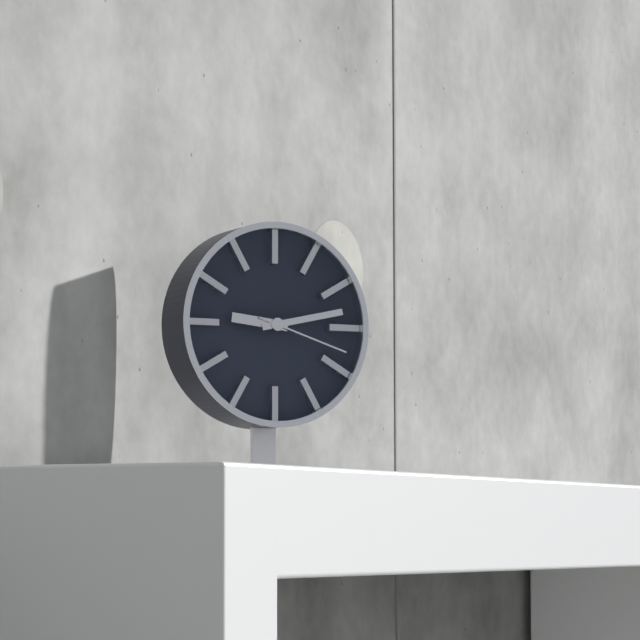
9:13:18
